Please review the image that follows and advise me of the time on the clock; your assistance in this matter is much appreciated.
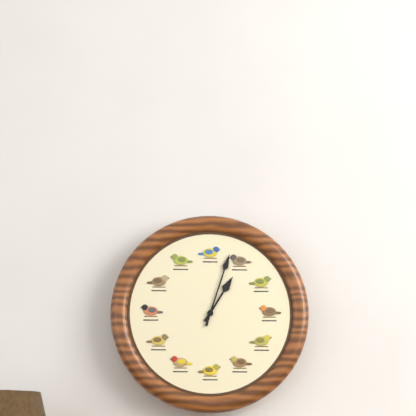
1:03
